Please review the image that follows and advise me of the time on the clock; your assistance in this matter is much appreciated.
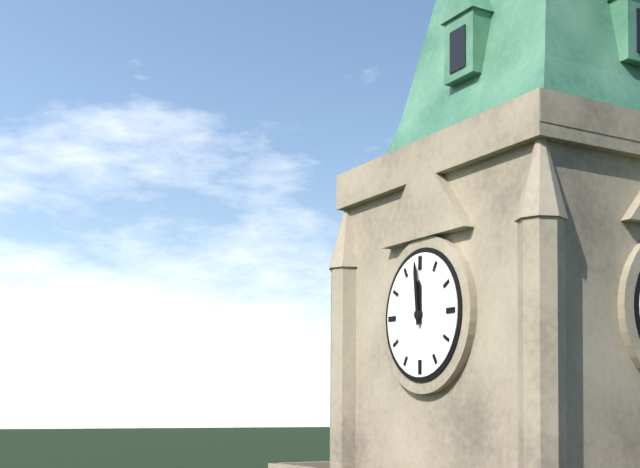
11:59
